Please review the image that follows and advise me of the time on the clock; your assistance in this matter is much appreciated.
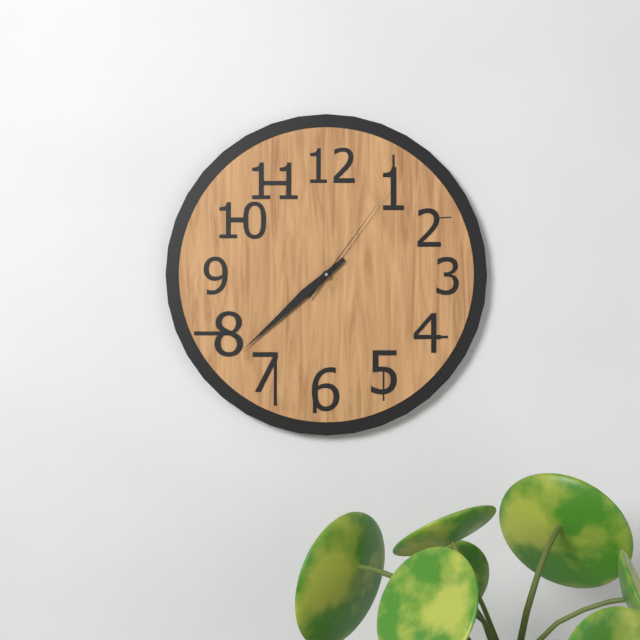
7:38:06
